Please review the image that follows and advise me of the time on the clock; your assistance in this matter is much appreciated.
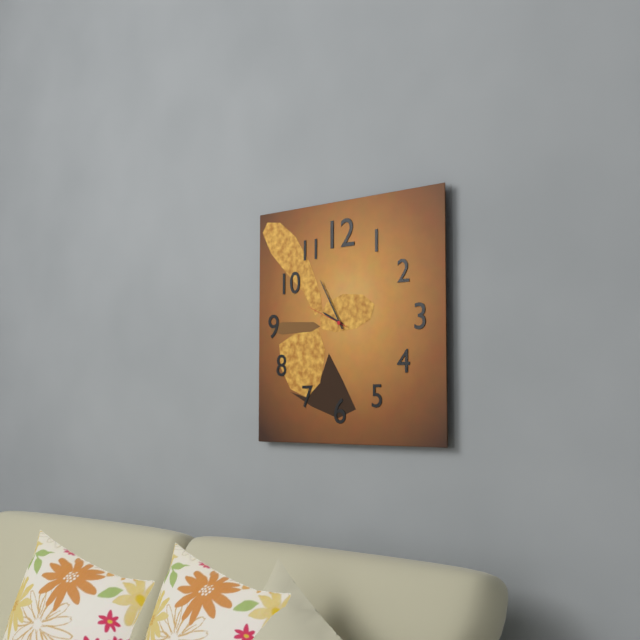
9:55
